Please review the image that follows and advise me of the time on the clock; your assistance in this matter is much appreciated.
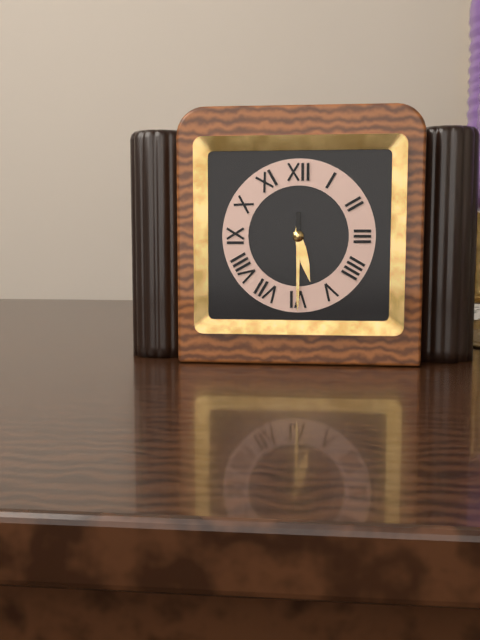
5:30
